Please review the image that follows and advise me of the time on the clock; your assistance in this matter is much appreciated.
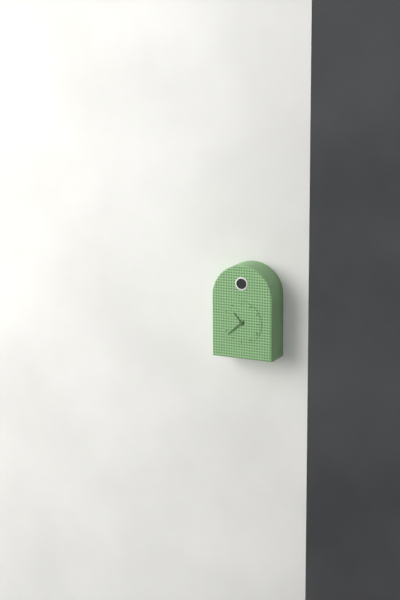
10:38
